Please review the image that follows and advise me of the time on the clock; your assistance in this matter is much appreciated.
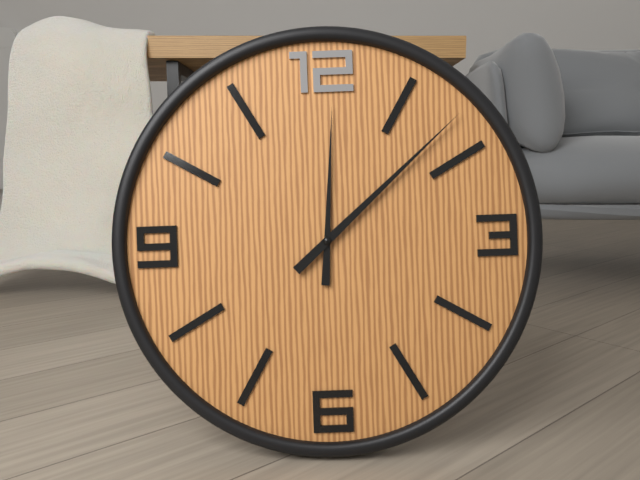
12:08
